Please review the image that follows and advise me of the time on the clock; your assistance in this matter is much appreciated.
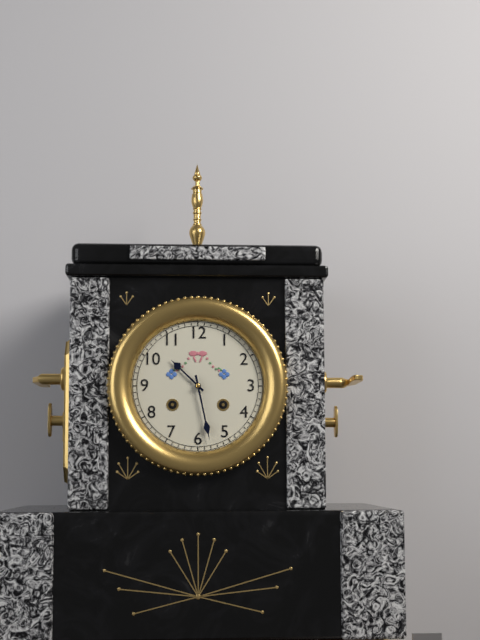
10:28
